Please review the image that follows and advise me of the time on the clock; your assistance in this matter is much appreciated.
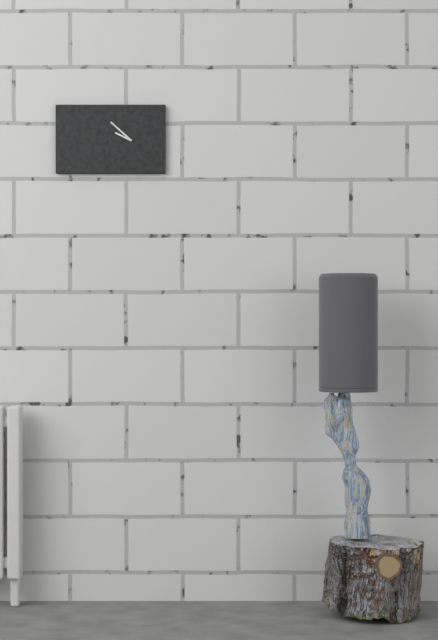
9:52
